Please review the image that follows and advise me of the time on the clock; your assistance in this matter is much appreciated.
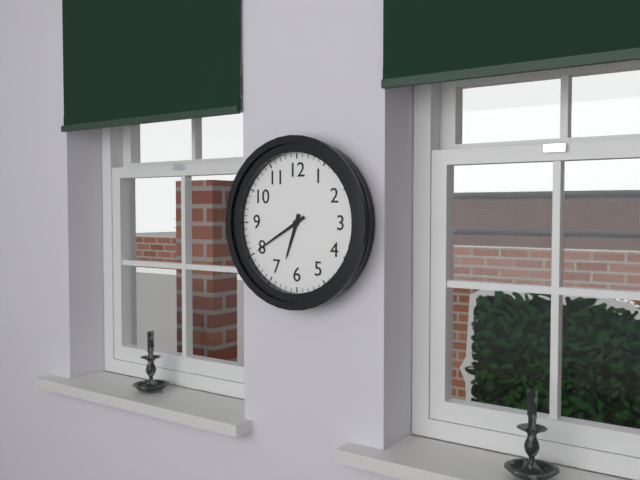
6:40
